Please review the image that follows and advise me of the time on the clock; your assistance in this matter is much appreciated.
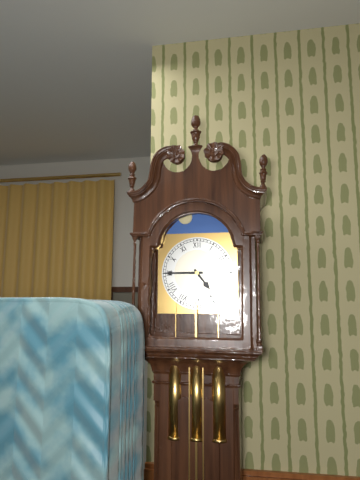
4:45
